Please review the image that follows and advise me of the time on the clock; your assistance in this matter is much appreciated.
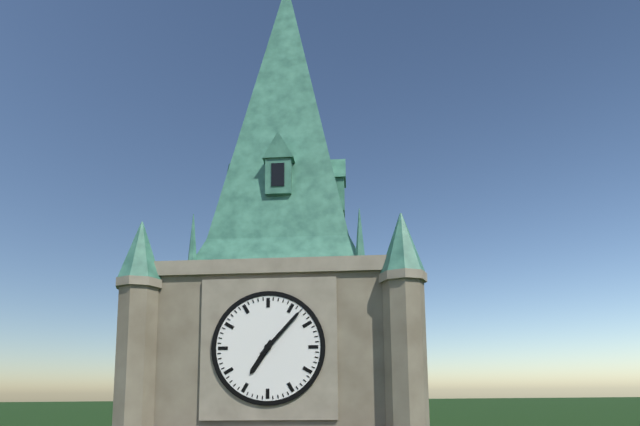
7:07
